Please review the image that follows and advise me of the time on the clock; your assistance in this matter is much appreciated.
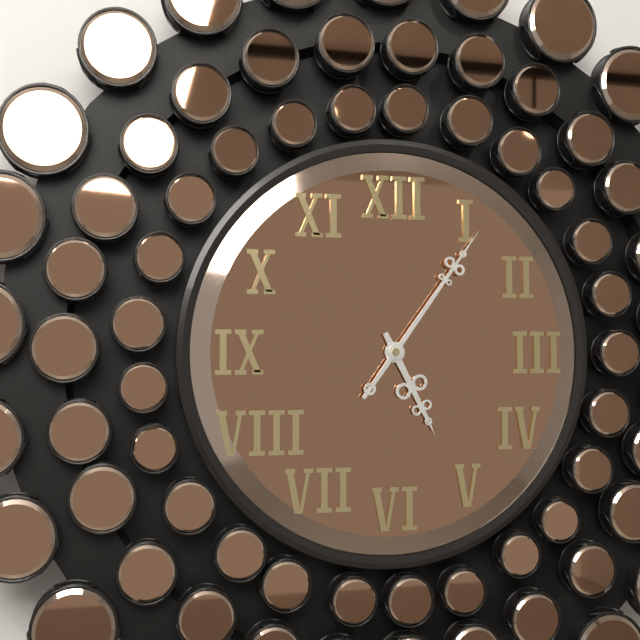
5:06
